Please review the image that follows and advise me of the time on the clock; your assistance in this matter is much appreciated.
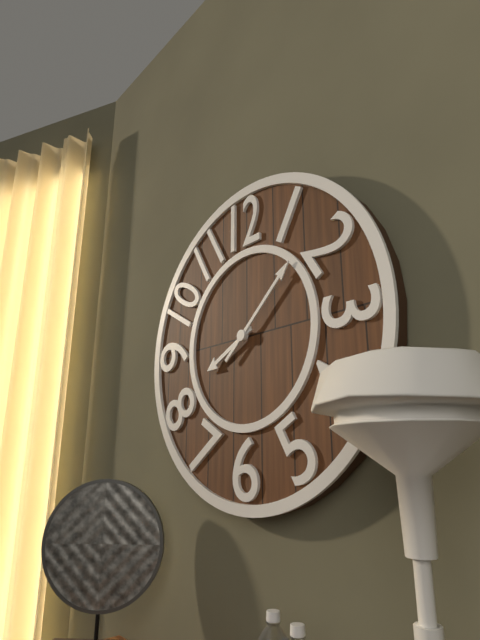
8:08
